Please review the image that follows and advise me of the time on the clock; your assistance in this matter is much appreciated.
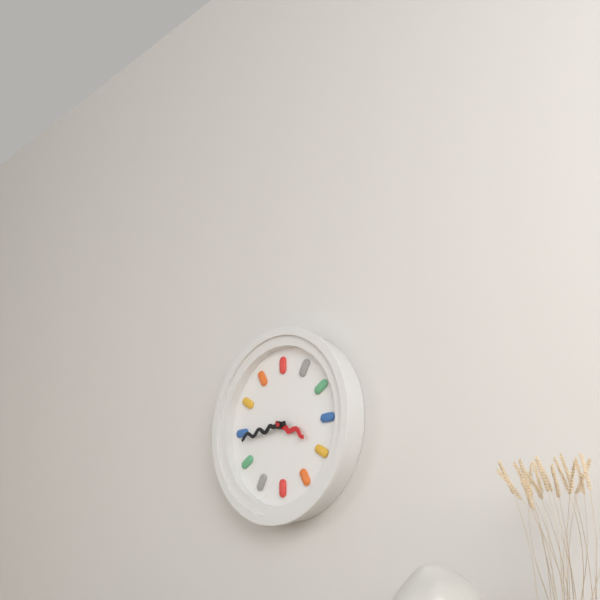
3:44
